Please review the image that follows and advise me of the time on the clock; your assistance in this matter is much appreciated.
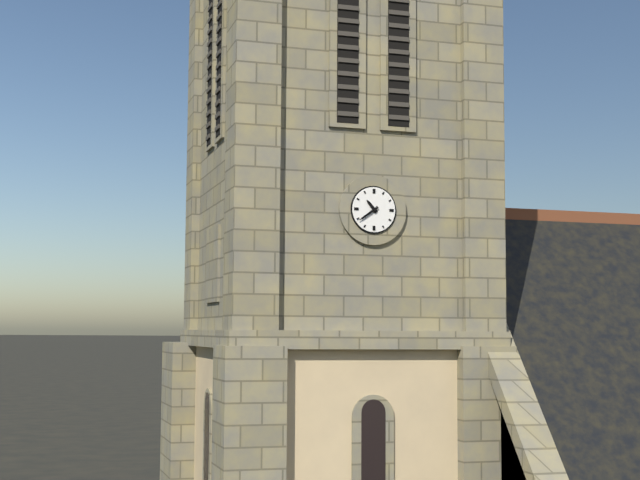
10:39
